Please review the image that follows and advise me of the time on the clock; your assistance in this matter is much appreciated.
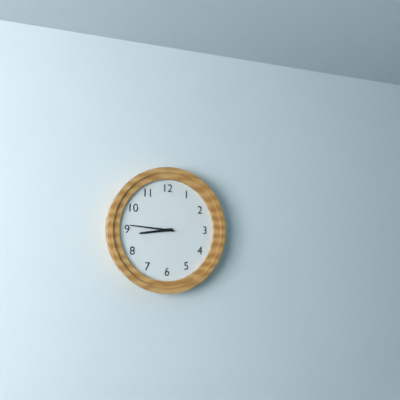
8:46
